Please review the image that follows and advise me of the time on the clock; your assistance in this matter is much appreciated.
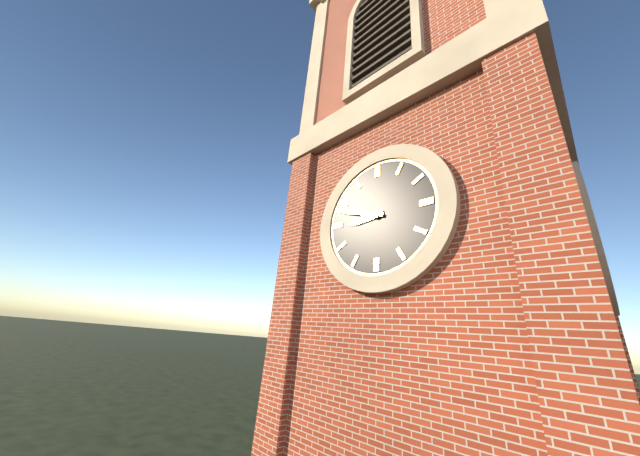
8:48
